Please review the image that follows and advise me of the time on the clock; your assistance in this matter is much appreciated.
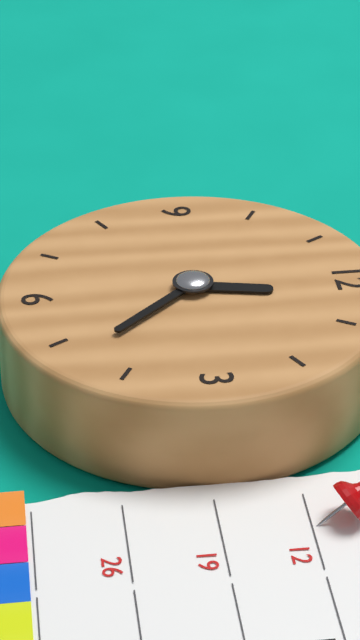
12:23
